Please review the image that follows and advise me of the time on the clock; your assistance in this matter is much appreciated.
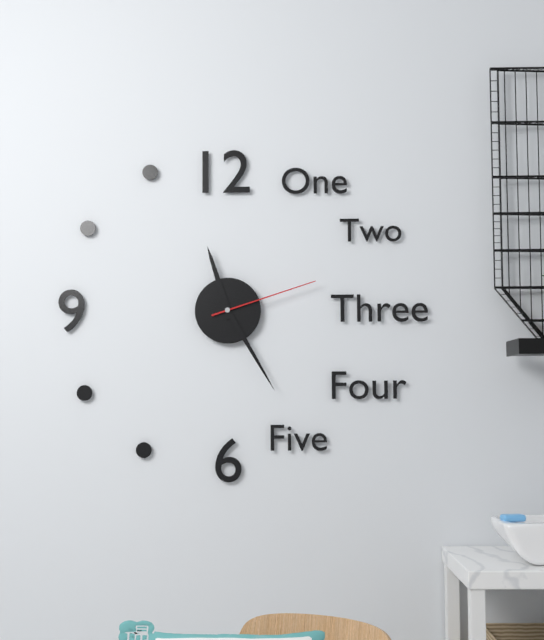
11:25:12
